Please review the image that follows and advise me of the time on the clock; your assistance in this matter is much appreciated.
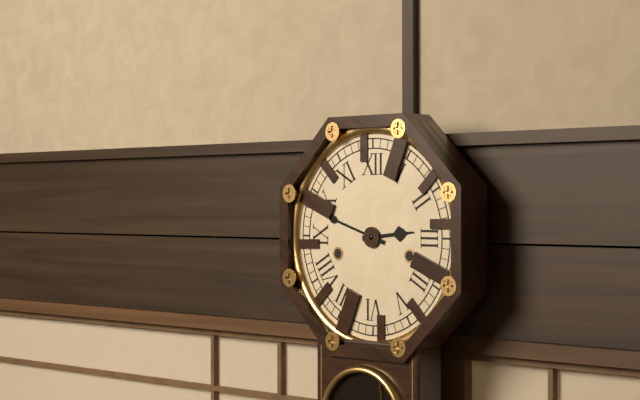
2:48
